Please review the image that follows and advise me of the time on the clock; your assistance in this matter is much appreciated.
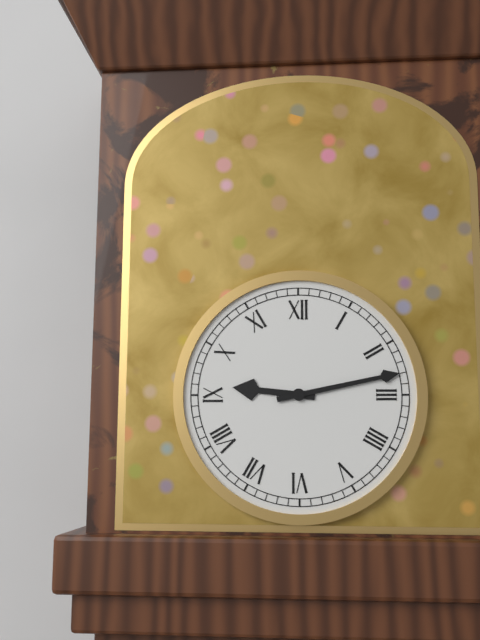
9:13
